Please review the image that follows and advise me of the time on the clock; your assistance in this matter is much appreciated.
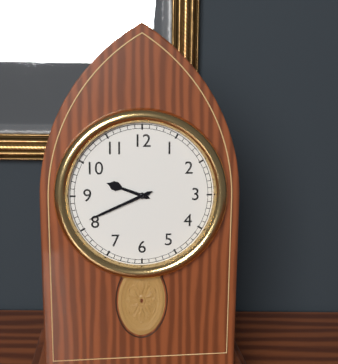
9:41
